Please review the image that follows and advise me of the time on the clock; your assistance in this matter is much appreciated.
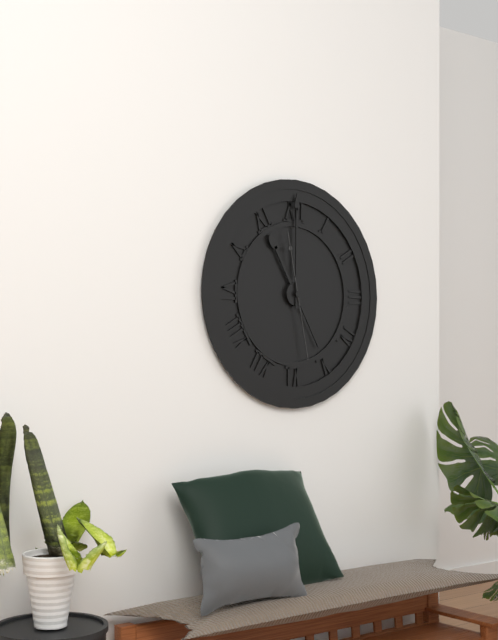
11:00:28
